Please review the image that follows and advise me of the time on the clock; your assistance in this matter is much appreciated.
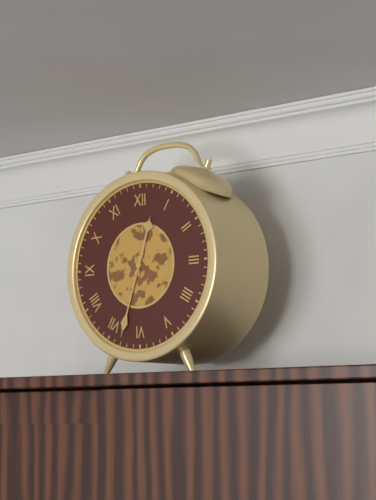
12:33
